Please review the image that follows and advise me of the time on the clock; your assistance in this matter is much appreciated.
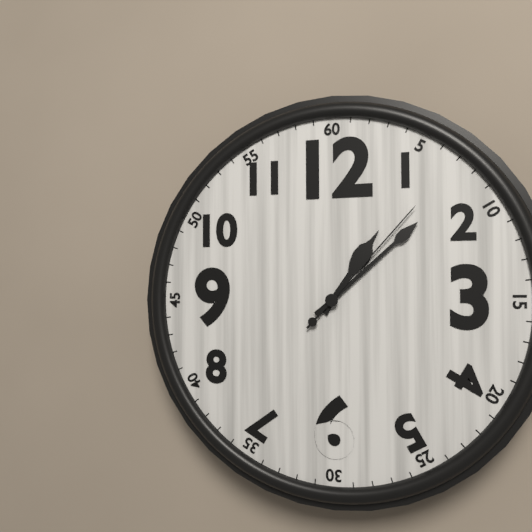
1:08:07
